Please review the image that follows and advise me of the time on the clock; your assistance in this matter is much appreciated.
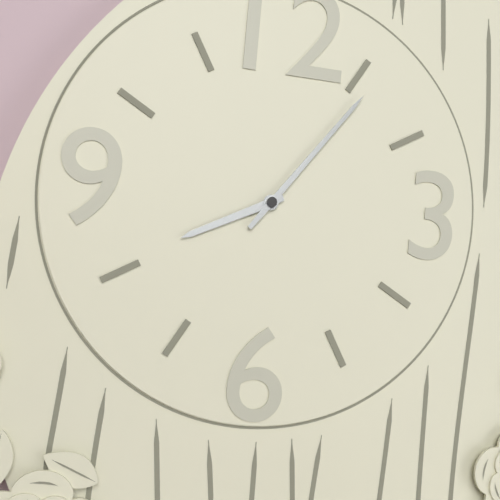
8:06
